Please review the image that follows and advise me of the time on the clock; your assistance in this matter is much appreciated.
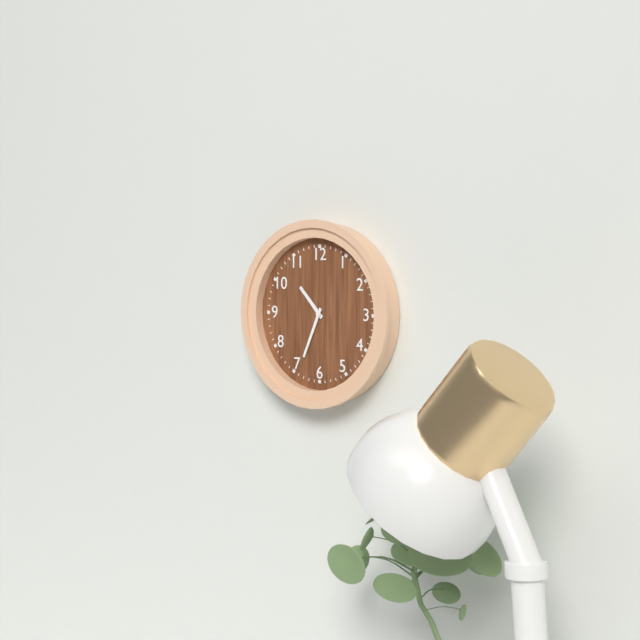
10:34
